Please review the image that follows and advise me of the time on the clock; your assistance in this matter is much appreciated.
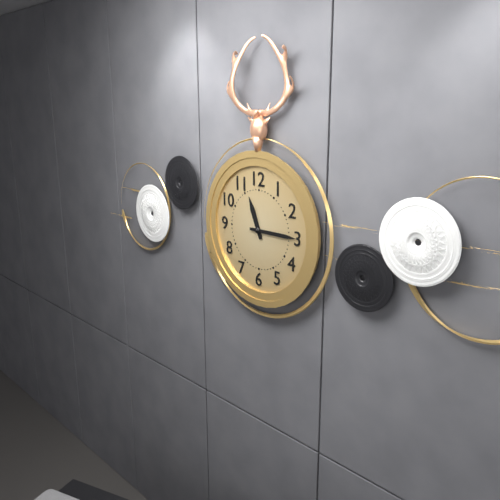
11:15
